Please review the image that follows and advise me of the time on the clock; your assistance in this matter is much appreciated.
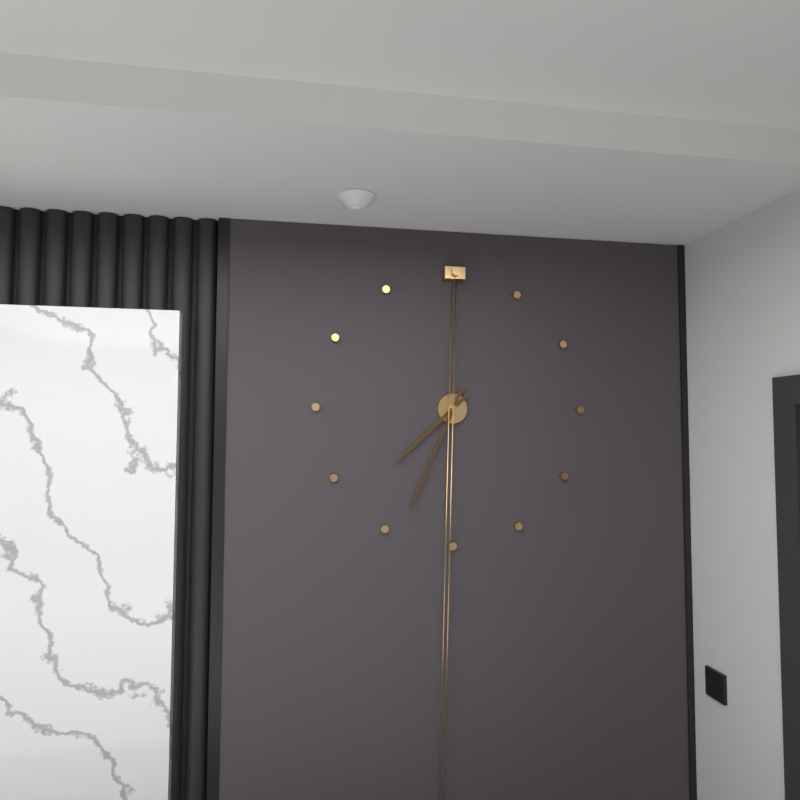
7:34
